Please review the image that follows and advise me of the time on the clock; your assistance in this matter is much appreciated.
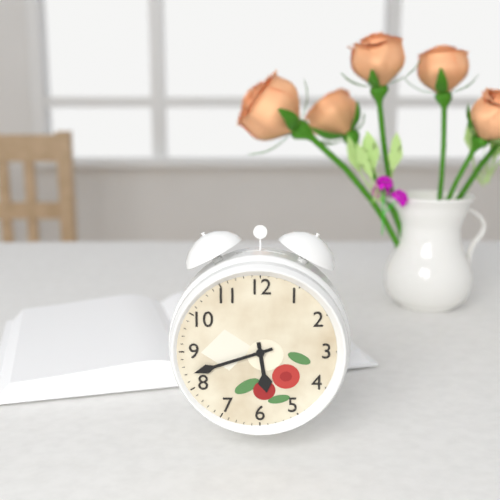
5:42
